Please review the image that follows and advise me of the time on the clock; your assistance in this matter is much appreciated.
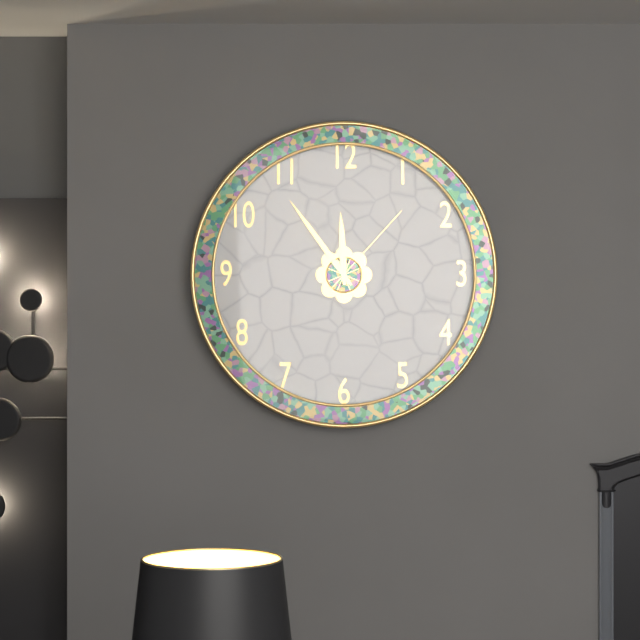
11:54:07
